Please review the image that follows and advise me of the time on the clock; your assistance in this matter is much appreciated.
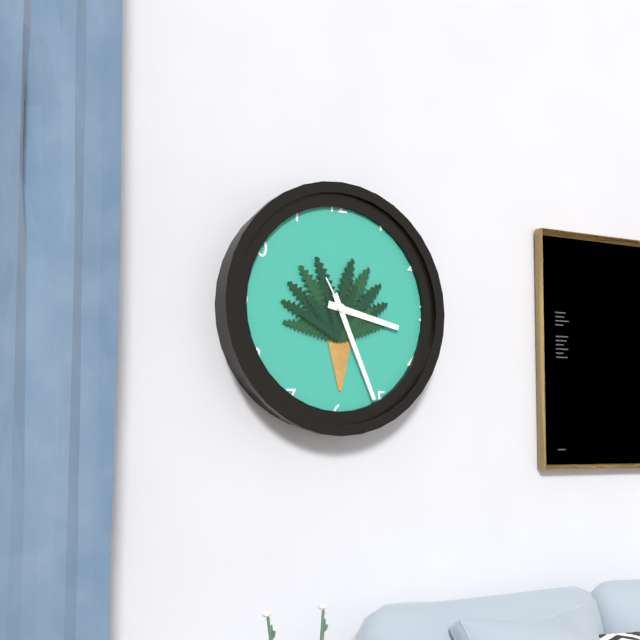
3:26
